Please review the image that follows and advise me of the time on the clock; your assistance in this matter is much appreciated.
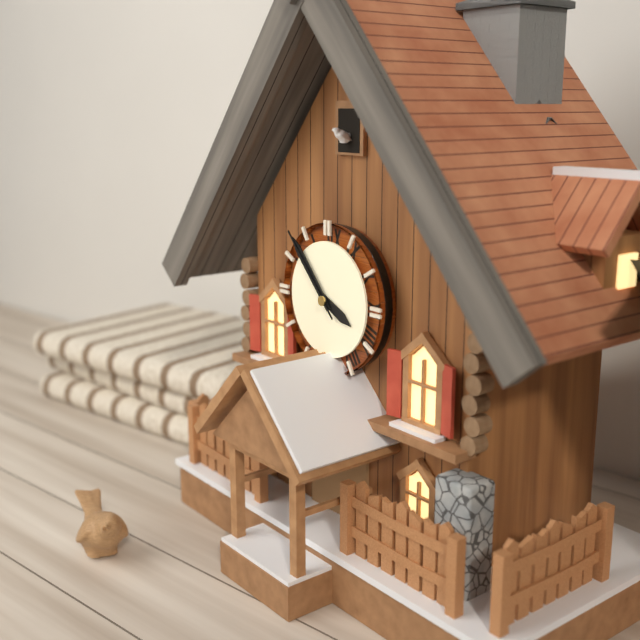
3:53:53
